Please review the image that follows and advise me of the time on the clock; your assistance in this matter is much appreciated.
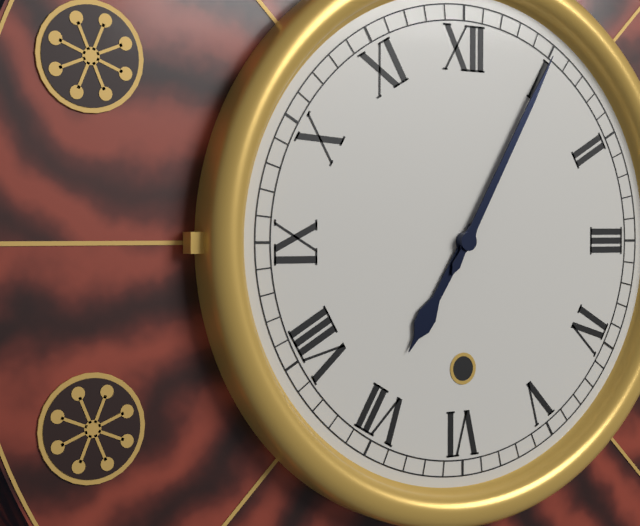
7:05
